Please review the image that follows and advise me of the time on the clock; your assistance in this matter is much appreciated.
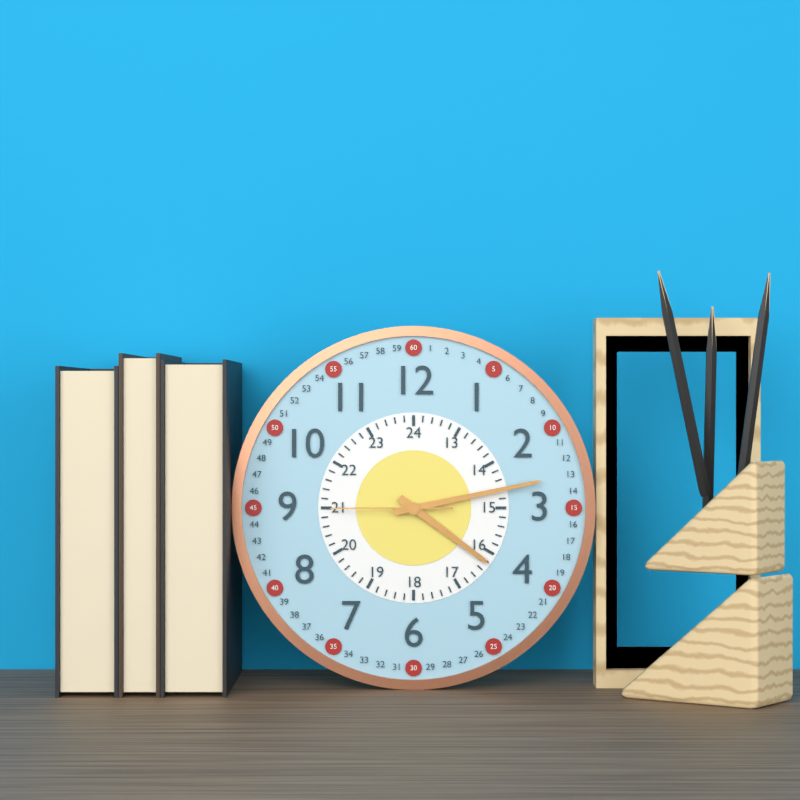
4:13:45
